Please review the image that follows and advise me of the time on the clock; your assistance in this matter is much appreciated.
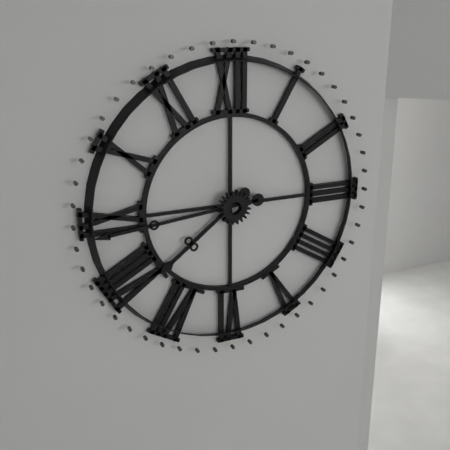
7:44
